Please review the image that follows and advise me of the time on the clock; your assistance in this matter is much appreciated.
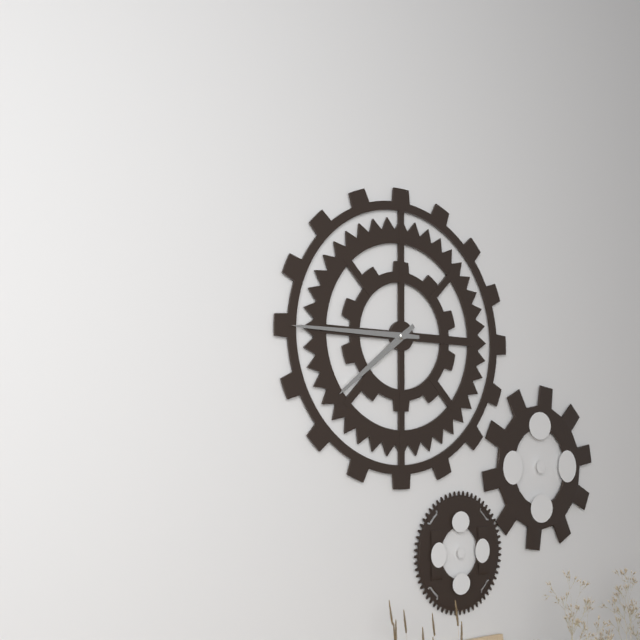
7:45
